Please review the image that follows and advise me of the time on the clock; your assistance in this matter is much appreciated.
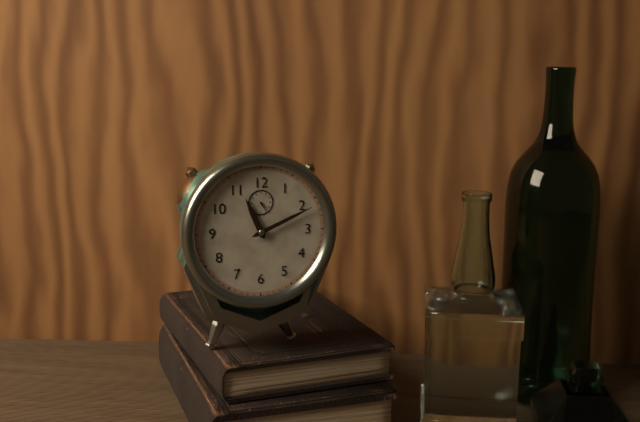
11:11
